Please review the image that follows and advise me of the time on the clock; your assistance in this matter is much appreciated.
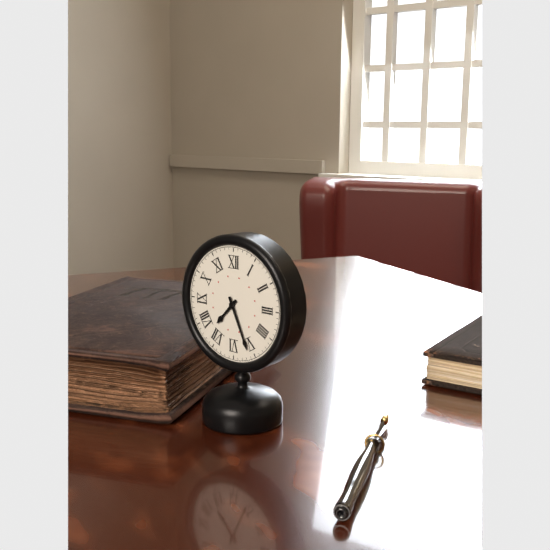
7:26
